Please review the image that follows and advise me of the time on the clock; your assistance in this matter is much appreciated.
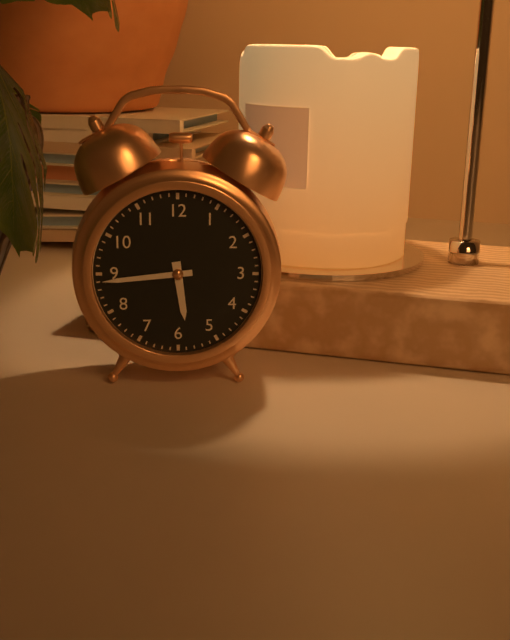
5:44
